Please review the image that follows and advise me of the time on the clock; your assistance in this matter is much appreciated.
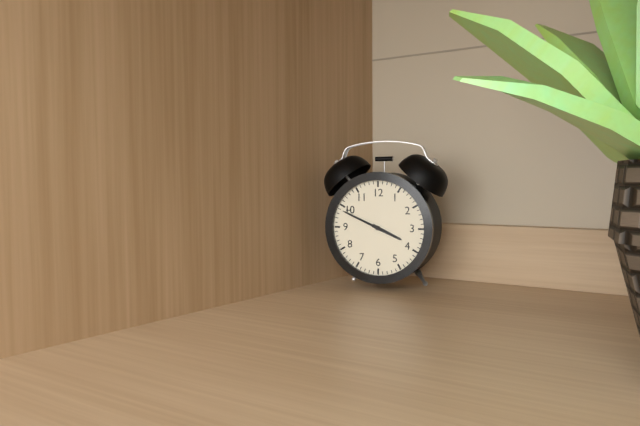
3:49
